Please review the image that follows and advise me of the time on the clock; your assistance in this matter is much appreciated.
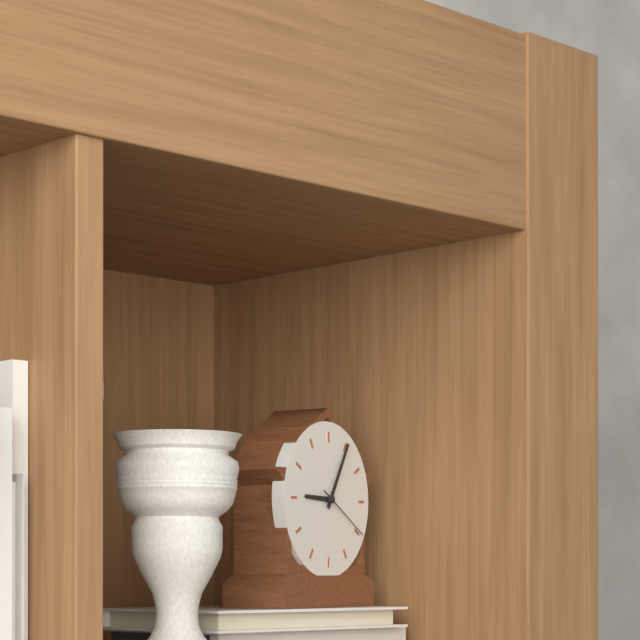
9:05:20
